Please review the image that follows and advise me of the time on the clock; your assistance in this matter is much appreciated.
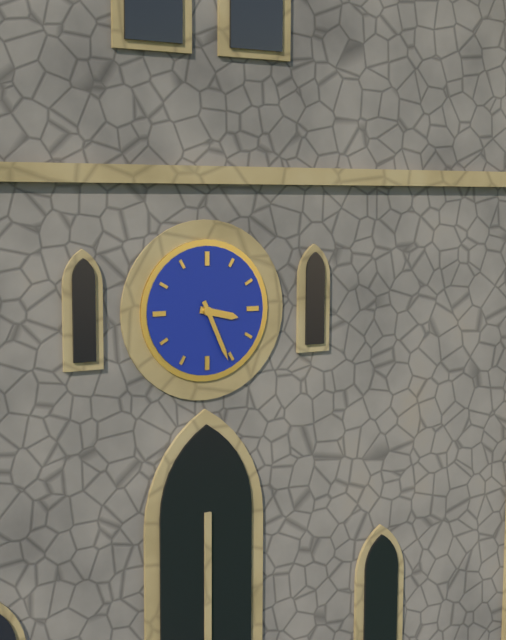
3:26
